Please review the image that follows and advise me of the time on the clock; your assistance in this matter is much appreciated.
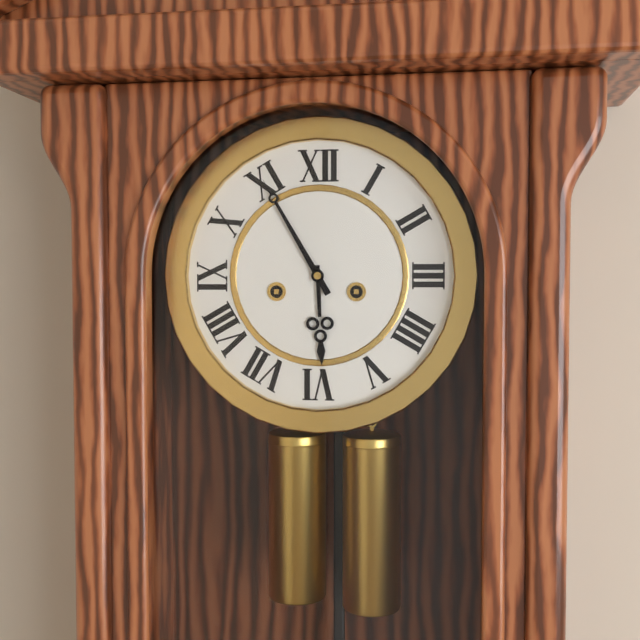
5:55
